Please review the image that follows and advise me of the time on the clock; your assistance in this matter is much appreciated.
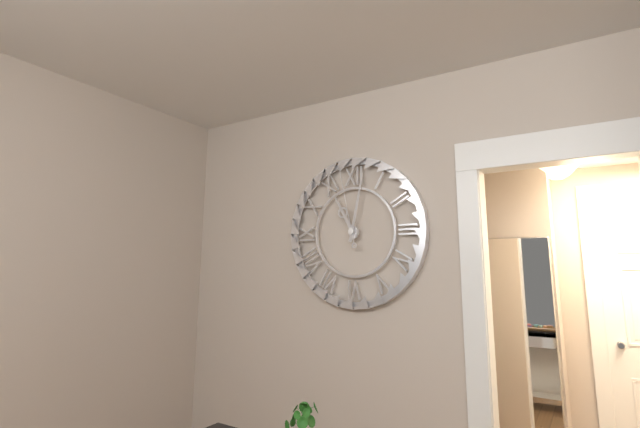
11:02:58
